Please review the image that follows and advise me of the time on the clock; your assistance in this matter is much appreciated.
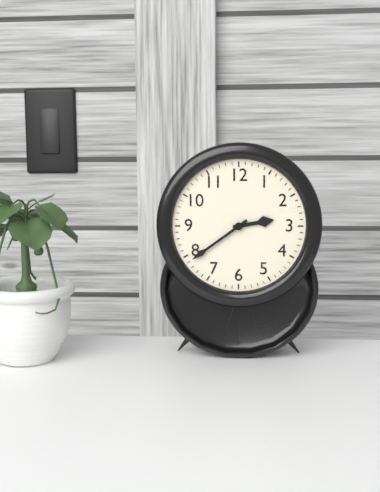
2:39
